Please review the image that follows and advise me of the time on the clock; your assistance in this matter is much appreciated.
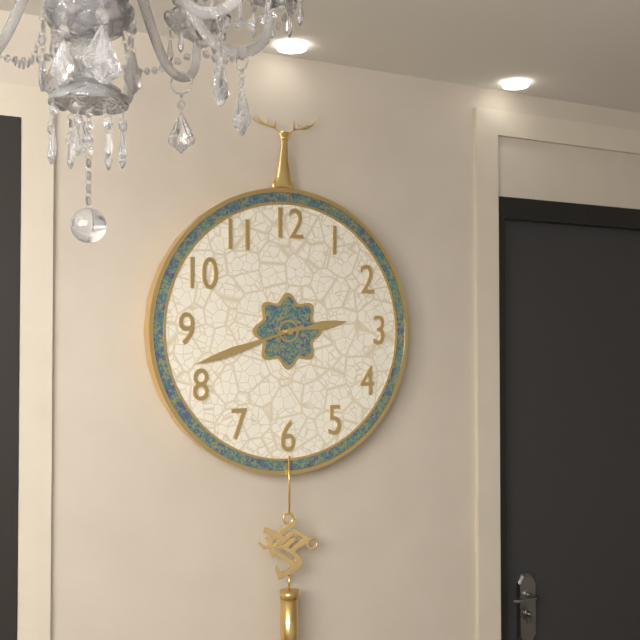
2:42
